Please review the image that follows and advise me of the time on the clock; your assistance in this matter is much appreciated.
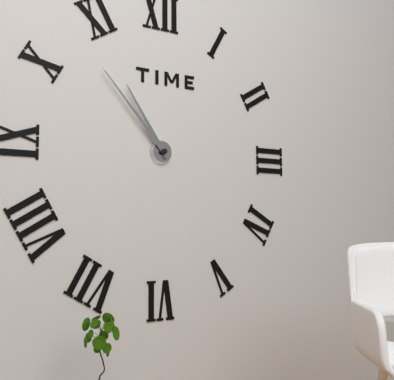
10:53
